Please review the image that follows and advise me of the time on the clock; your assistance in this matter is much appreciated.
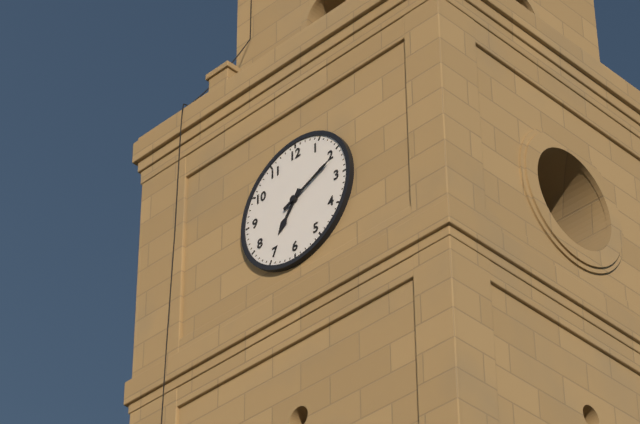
7:11
